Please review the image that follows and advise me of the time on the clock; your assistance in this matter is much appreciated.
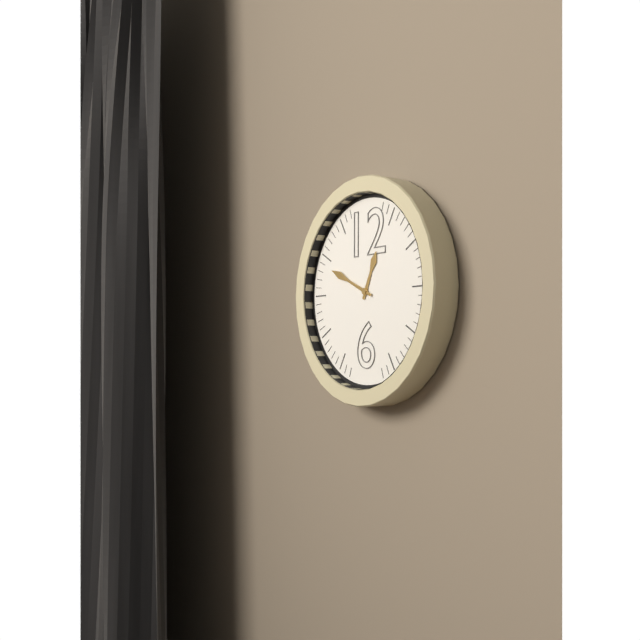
12:49
